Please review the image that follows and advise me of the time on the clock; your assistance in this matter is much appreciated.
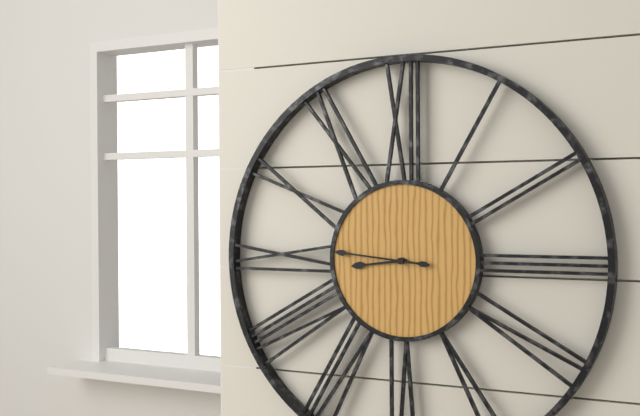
8:46
